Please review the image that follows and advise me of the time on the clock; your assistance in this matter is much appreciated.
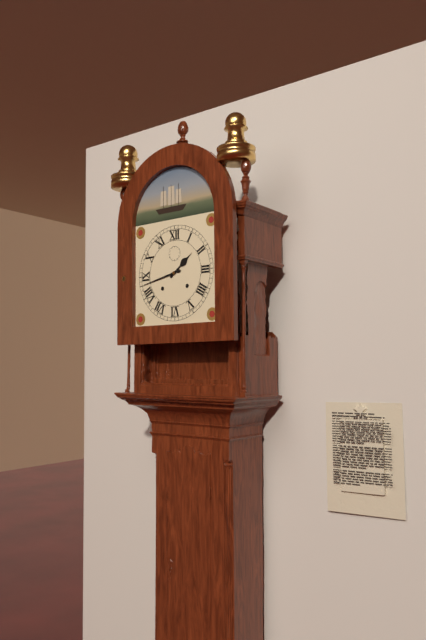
1:43
